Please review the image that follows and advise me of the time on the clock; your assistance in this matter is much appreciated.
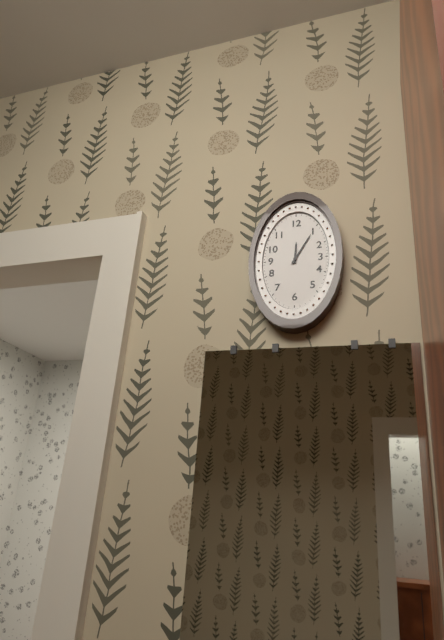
12:05
